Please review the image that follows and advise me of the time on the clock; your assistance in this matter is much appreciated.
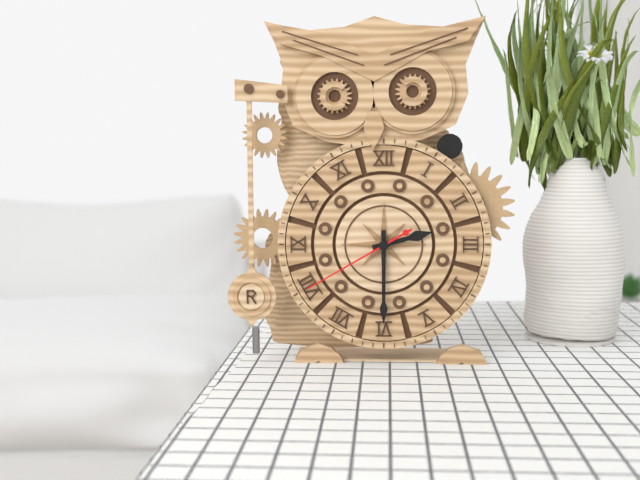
2:30:40
